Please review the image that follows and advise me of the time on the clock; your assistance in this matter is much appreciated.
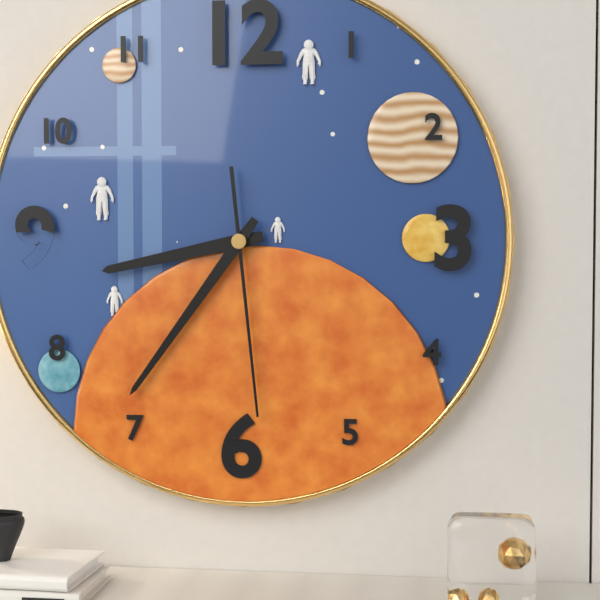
8:36:29
